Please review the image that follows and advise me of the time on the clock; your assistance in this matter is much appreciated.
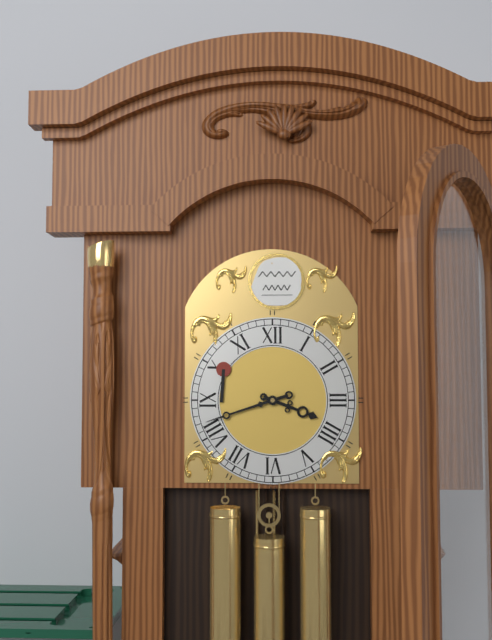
3:42
